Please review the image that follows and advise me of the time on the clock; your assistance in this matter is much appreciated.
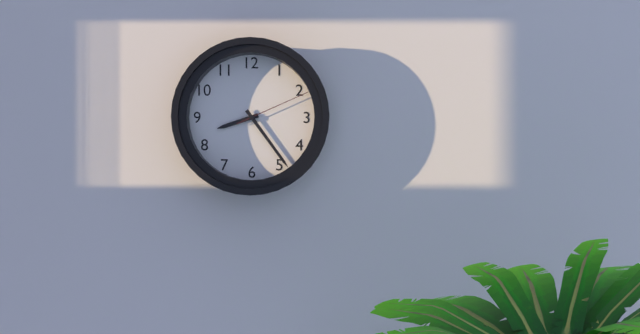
8:24:11
